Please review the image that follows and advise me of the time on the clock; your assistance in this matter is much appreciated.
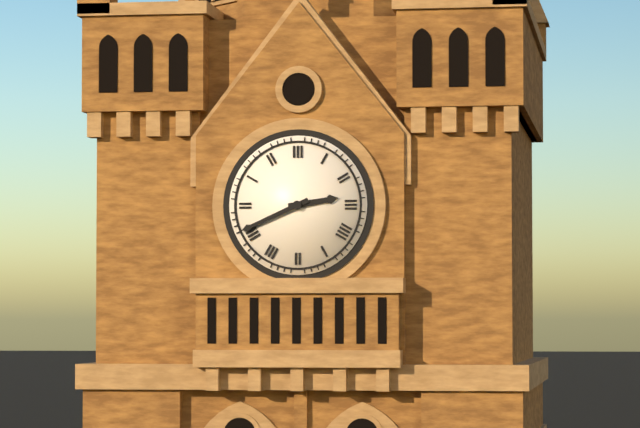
2:41
